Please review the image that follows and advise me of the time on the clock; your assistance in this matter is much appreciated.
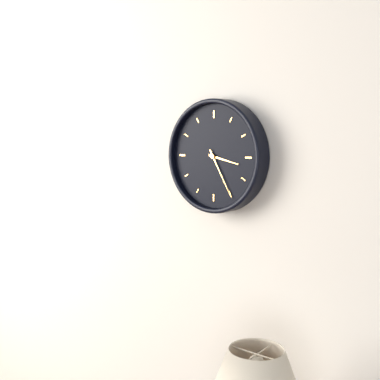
3:25
